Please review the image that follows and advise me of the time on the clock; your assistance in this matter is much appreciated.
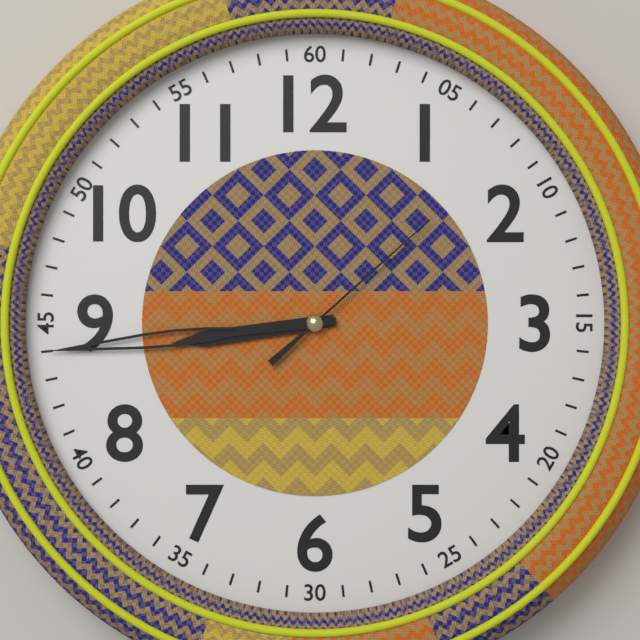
8:44:08
